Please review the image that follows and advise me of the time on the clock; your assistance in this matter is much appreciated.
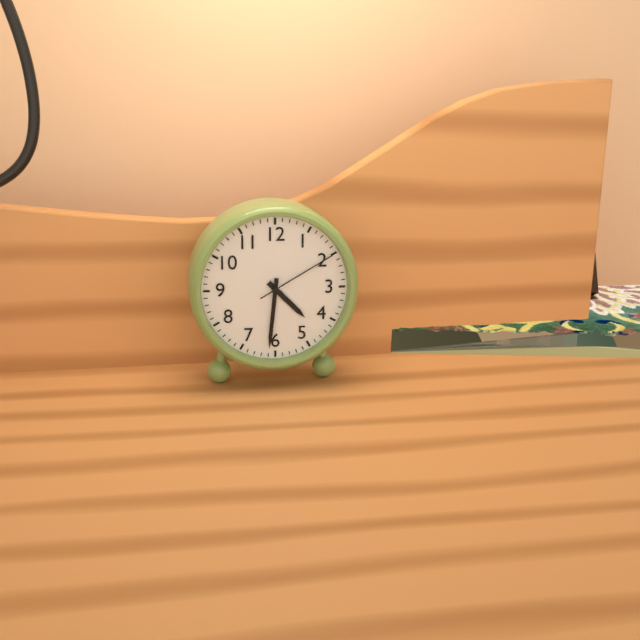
4:31:10
